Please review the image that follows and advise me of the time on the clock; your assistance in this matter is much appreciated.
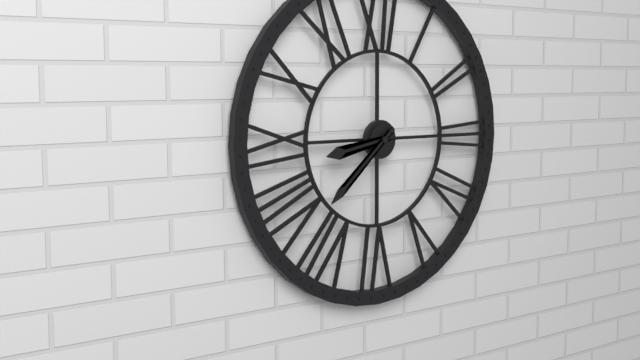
8:38
